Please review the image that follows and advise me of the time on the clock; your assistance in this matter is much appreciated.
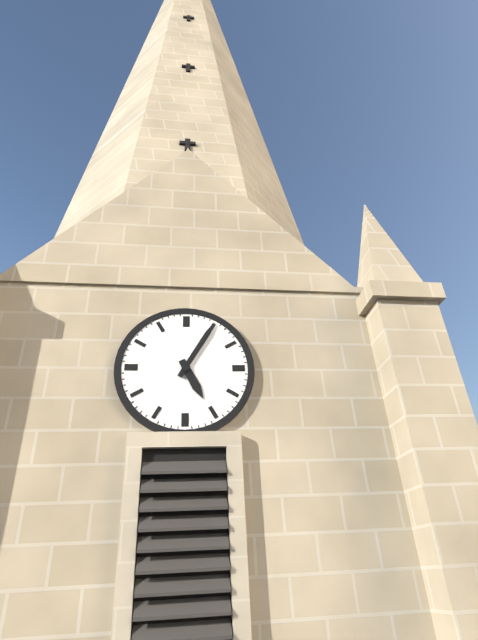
5:05
